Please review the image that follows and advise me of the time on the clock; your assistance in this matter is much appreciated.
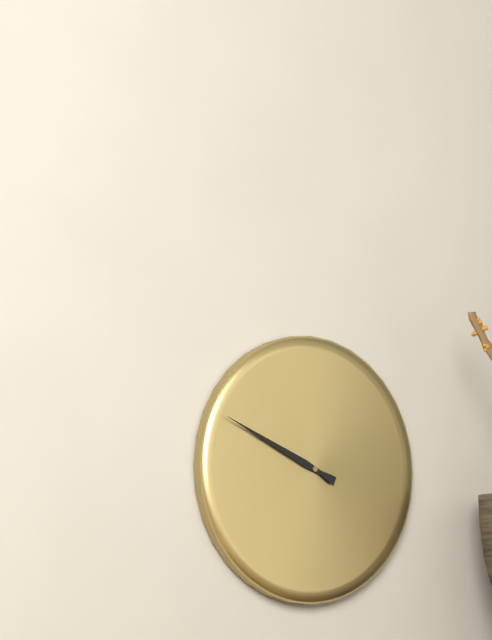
9:49
